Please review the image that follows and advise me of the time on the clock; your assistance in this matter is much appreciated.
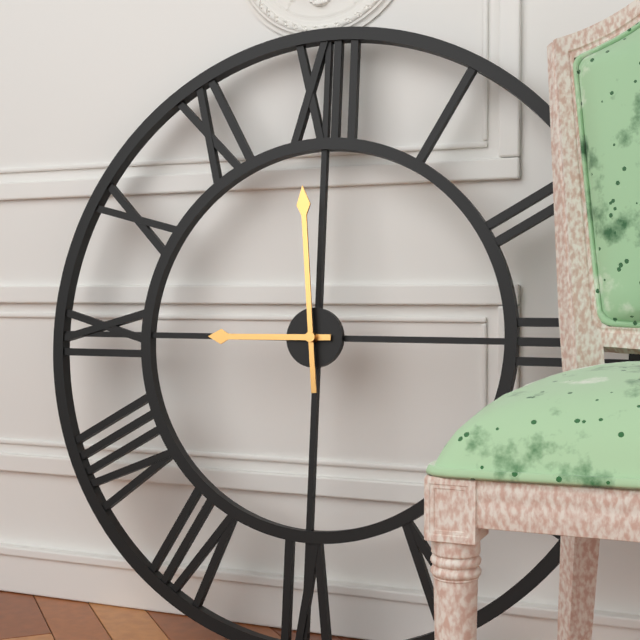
8:59
